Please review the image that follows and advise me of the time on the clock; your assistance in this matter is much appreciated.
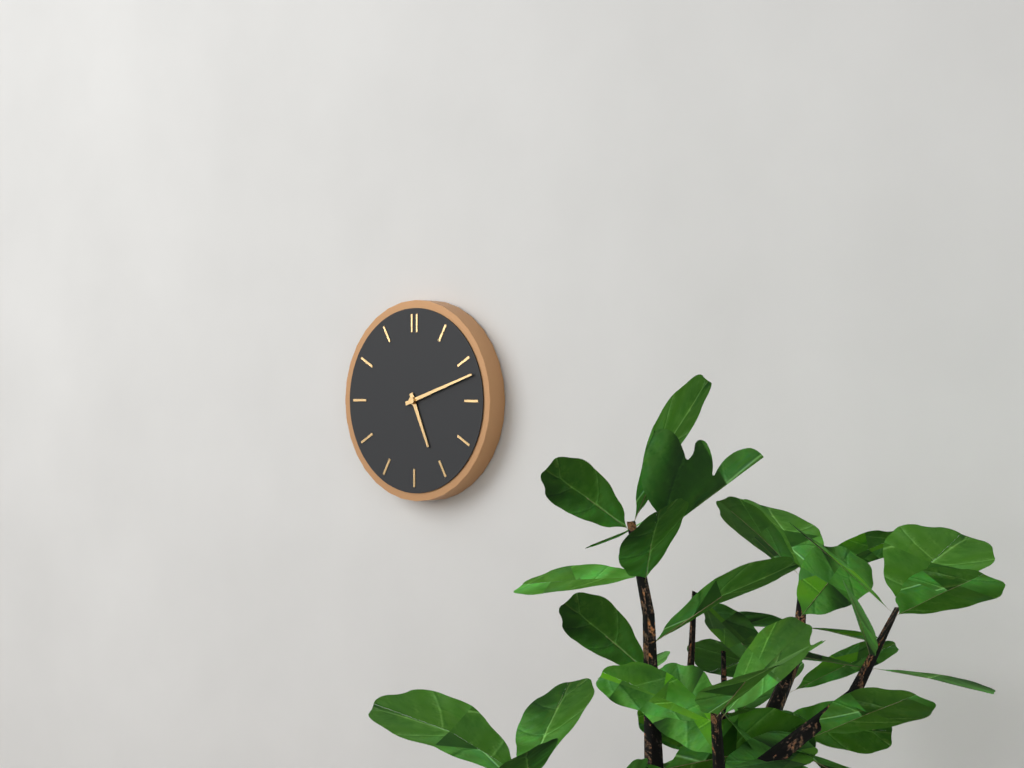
5:12
